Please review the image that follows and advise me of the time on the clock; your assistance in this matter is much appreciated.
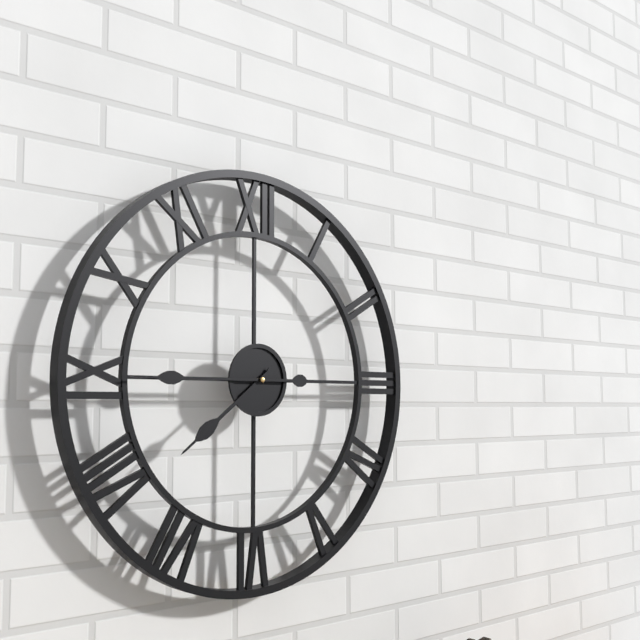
7:45
